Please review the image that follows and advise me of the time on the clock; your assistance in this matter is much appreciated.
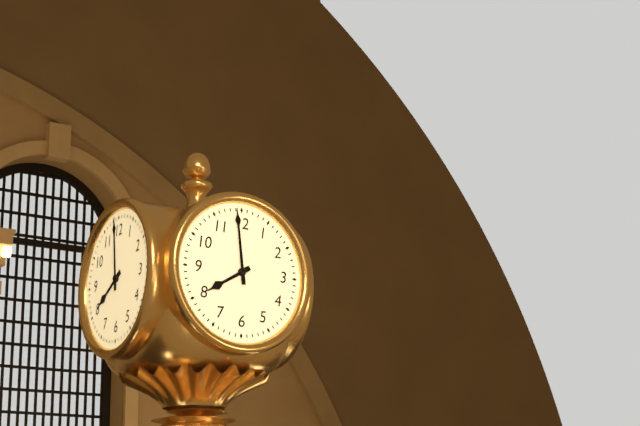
7:59
